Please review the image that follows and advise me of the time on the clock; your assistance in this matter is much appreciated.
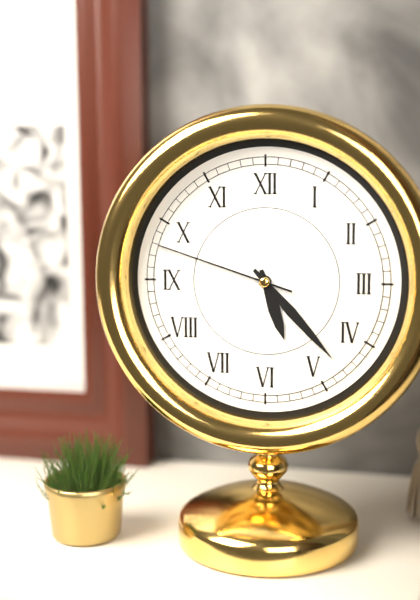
5:23:48
